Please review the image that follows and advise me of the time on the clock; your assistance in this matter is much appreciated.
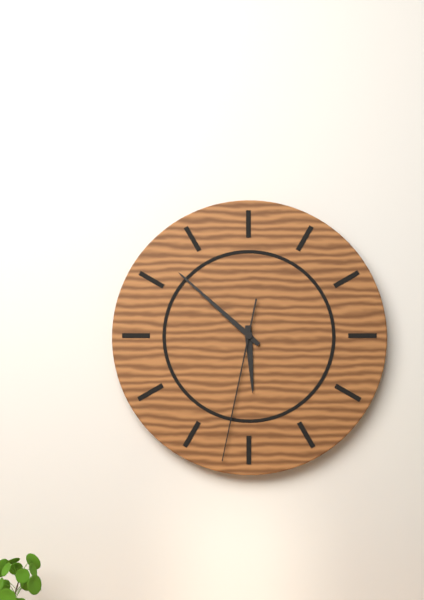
5:52:32
